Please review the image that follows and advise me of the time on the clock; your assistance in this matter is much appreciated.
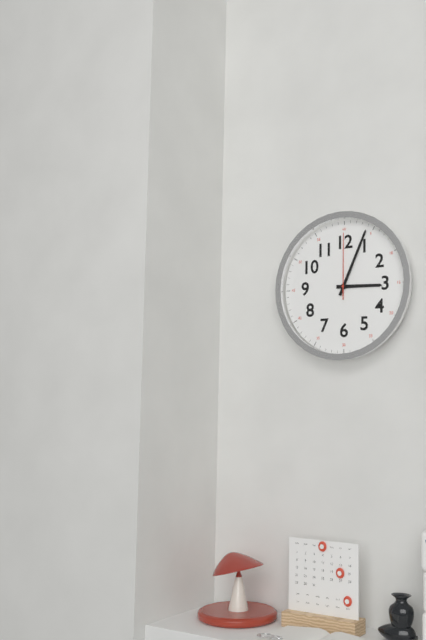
3:04:00
